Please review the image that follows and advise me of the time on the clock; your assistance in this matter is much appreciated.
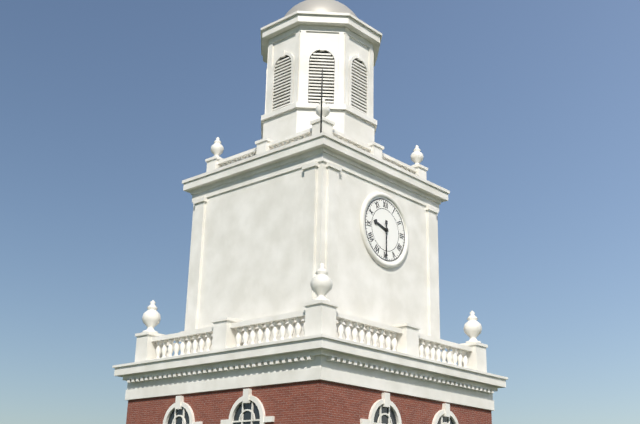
9:30
